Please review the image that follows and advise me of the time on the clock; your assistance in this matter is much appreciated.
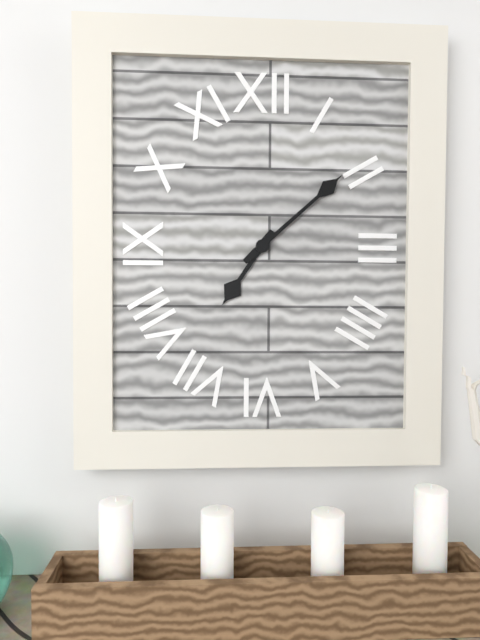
7:08
